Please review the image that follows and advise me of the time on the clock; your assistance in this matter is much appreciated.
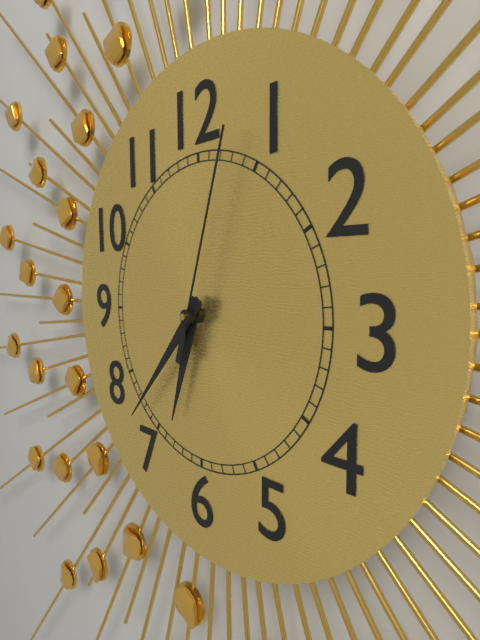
6:37:03
